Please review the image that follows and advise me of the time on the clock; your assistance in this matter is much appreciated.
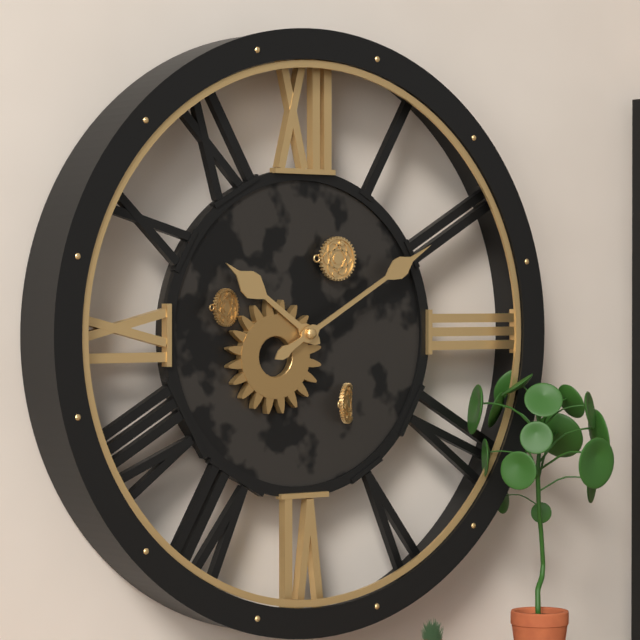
10:10
